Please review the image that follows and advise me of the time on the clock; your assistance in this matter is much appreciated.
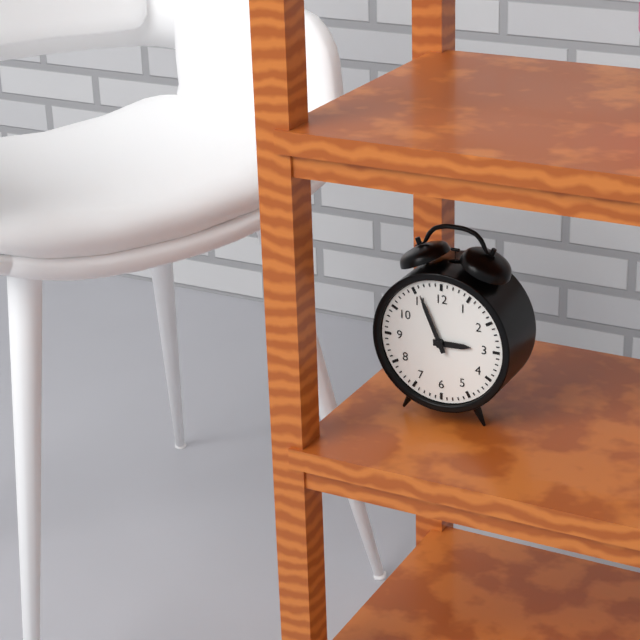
2:56
